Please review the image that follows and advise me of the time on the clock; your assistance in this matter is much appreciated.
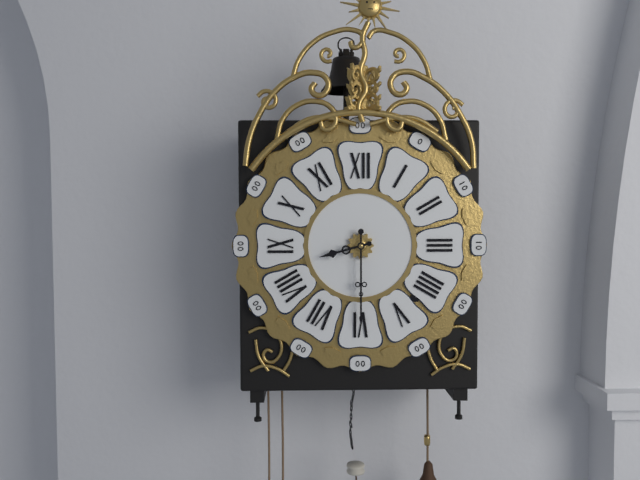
8:30
